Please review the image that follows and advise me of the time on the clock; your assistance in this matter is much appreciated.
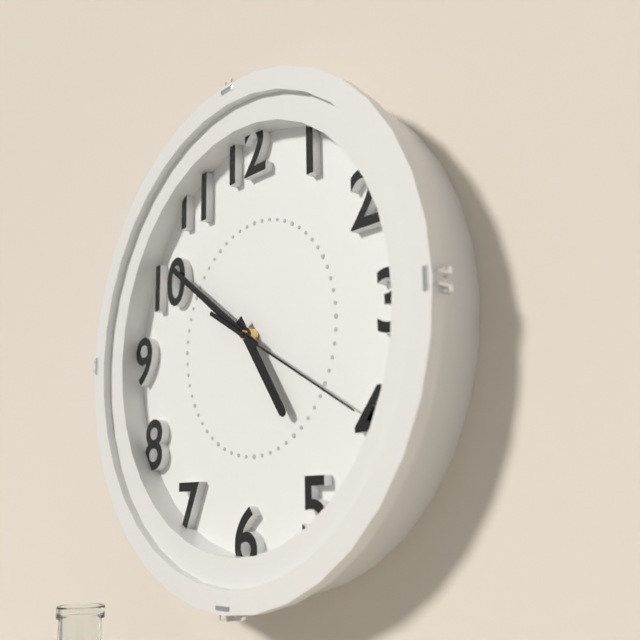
4:51:20
